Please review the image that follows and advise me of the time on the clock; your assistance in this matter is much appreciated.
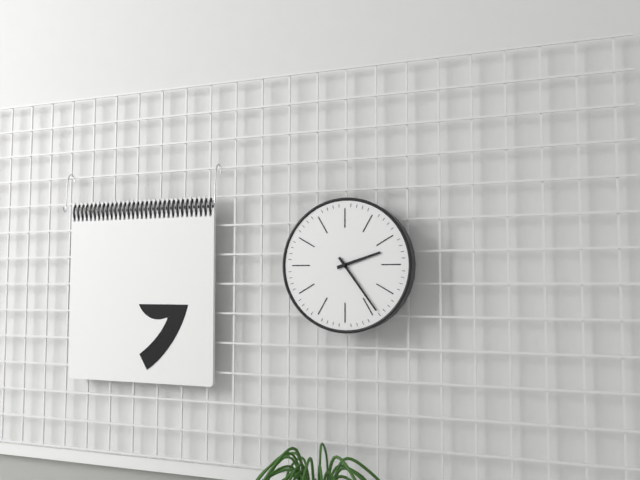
2:24
